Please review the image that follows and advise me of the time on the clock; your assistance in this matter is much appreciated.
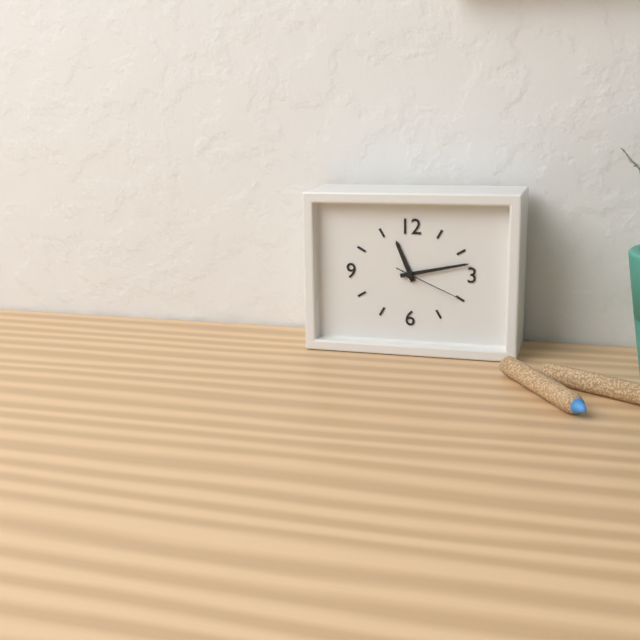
11:13:19
